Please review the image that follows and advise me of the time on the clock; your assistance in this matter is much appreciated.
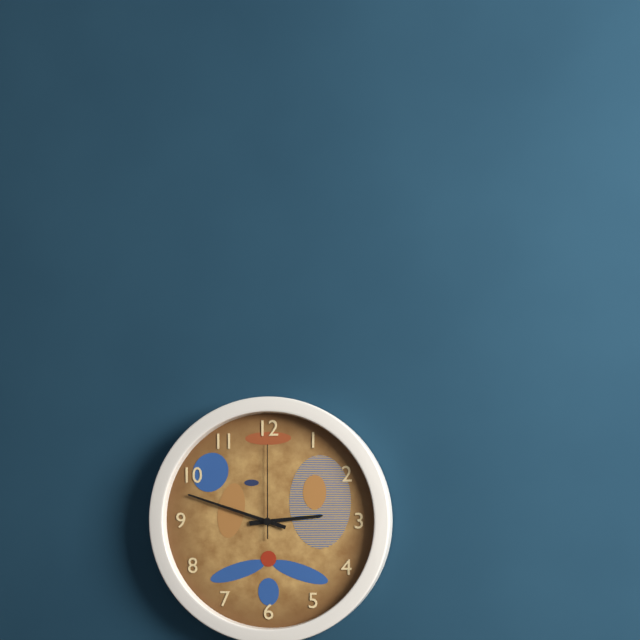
2:48:00
